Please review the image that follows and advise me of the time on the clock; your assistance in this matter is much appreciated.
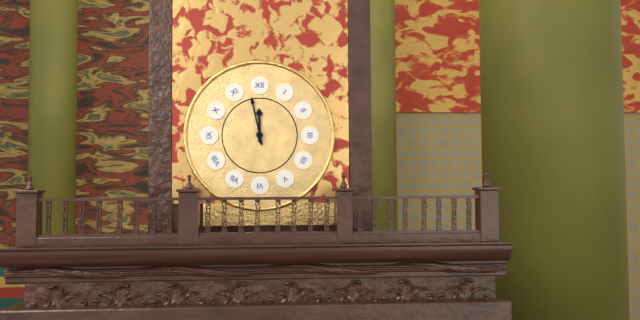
11:58
